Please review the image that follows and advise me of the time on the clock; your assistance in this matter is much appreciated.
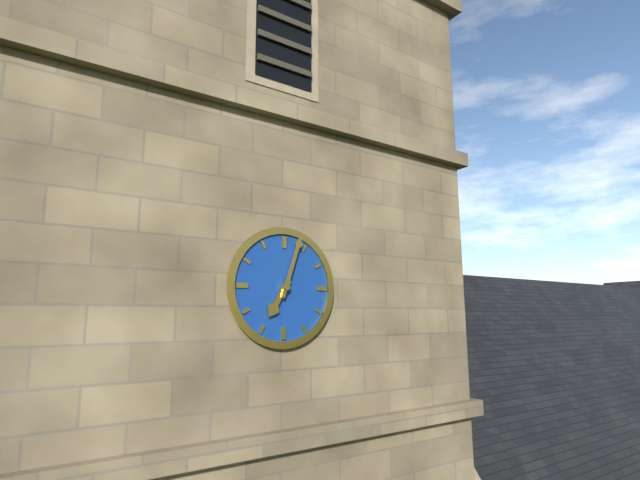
7:03
